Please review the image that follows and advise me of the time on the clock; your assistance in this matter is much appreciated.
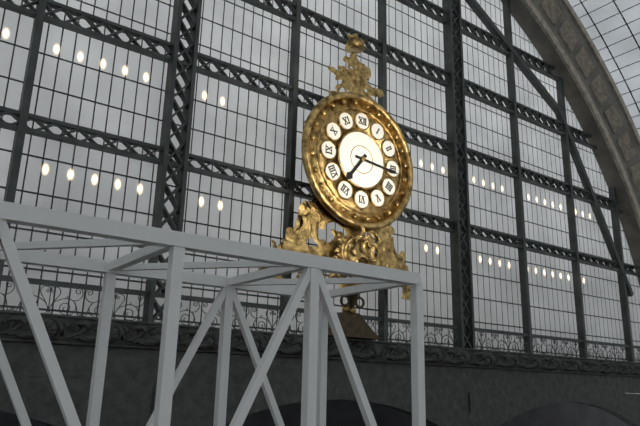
7:16
